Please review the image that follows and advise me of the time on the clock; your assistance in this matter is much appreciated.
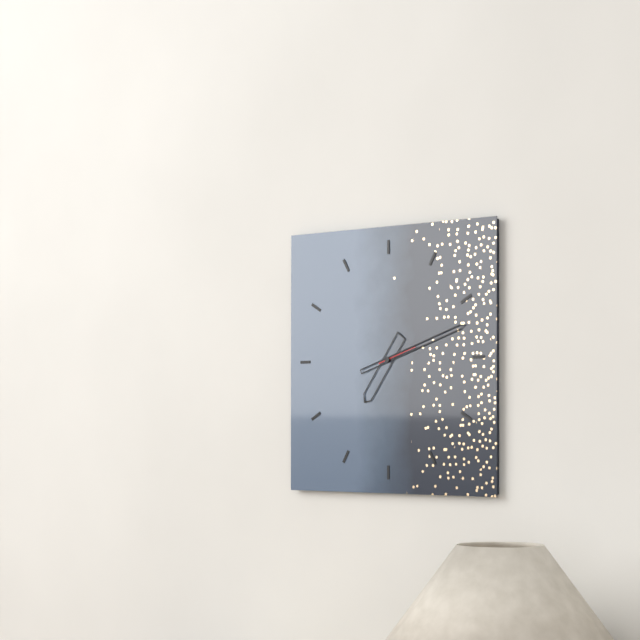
7:12
